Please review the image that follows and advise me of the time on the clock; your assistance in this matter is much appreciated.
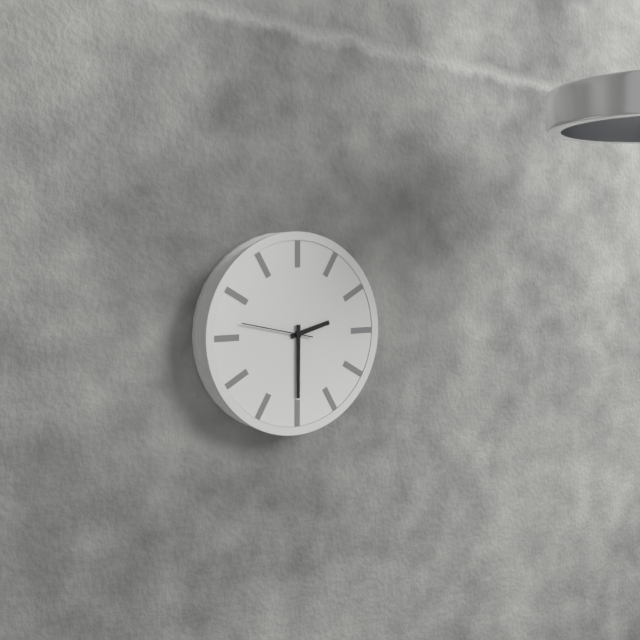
2:30:47
